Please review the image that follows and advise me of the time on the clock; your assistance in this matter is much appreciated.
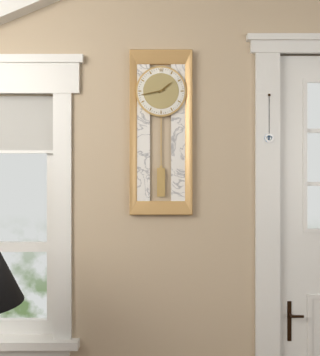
1:43
